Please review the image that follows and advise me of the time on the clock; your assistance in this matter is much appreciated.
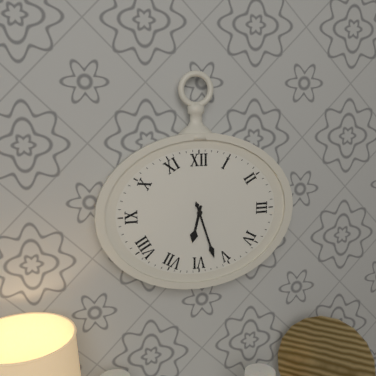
6:27
